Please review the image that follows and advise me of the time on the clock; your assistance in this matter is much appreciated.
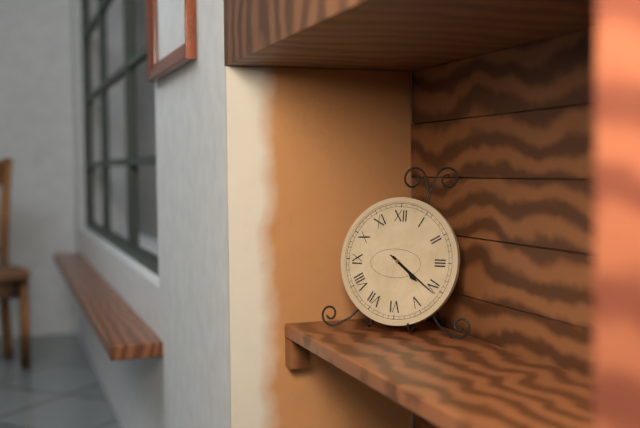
4:21
